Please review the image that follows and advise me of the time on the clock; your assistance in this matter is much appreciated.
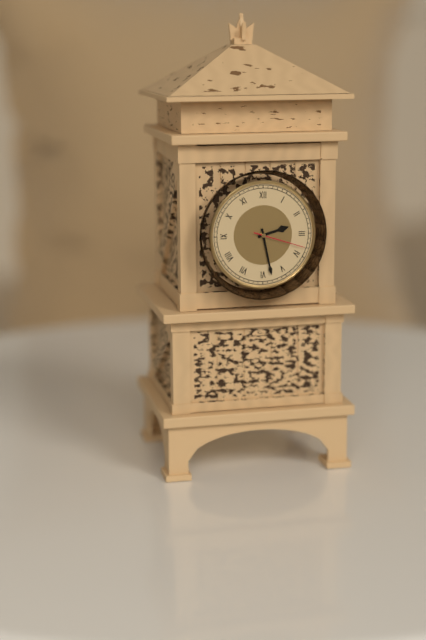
2:28:18
